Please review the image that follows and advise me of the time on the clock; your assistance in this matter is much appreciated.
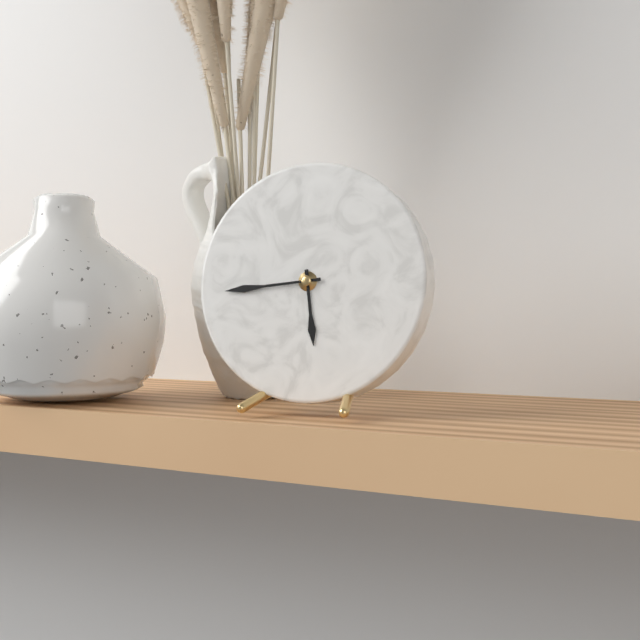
5:44
